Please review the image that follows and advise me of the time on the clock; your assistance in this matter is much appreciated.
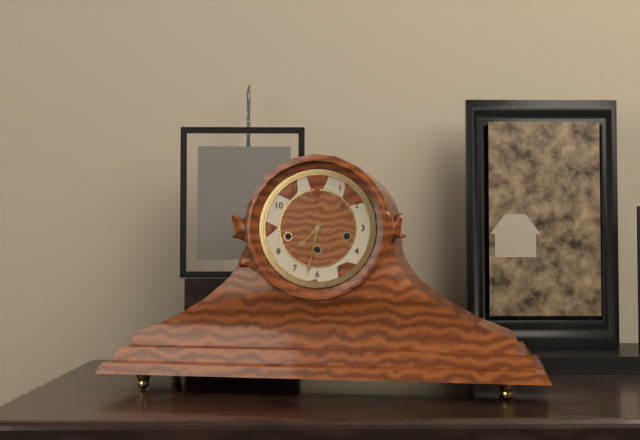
7:32
